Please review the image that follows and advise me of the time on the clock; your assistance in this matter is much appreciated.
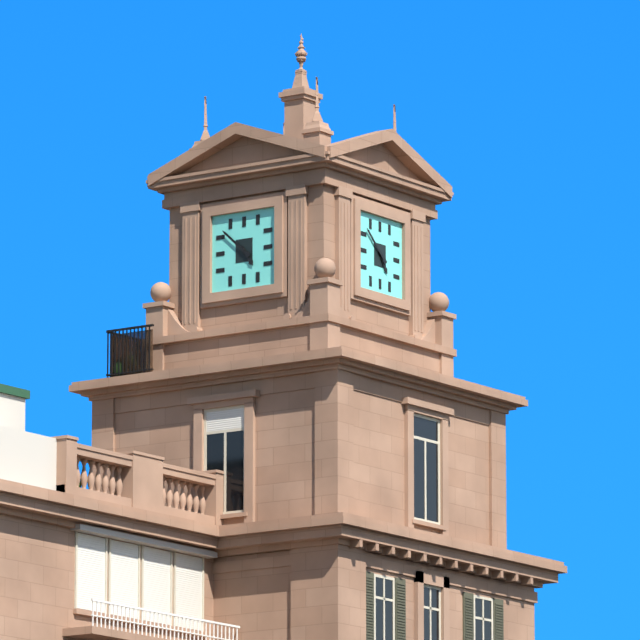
4:52
